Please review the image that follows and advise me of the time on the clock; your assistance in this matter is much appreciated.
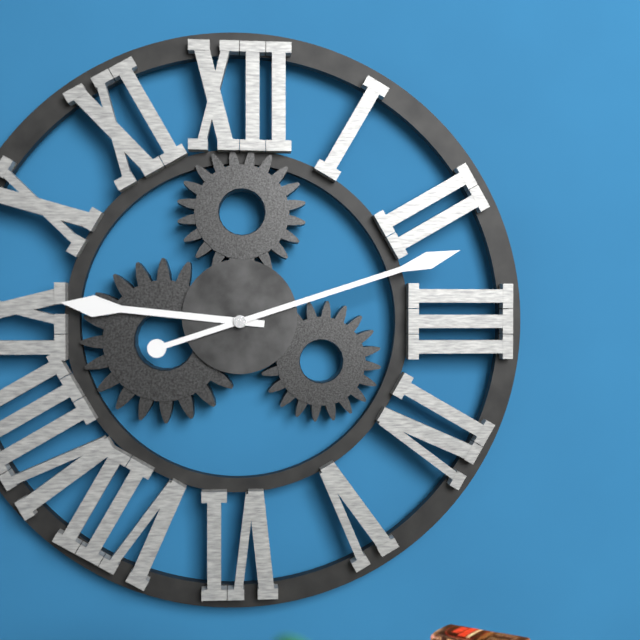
9:12
